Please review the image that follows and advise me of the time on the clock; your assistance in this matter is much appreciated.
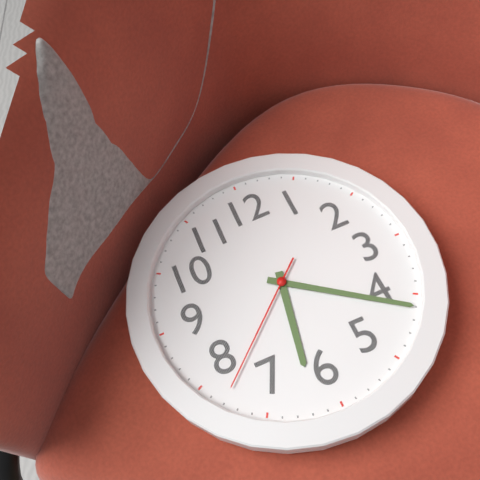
6:21:38
